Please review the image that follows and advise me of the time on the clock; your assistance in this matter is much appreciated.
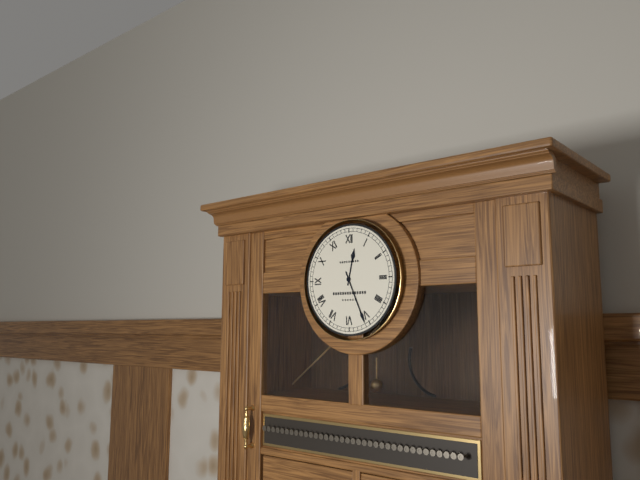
12:26
